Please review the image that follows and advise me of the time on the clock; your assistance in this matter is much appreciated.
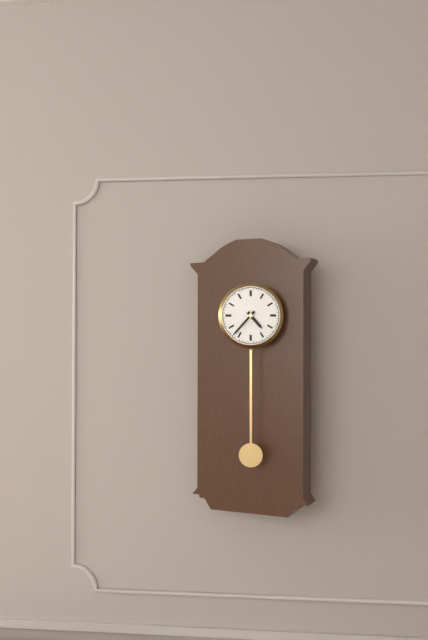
4:37
